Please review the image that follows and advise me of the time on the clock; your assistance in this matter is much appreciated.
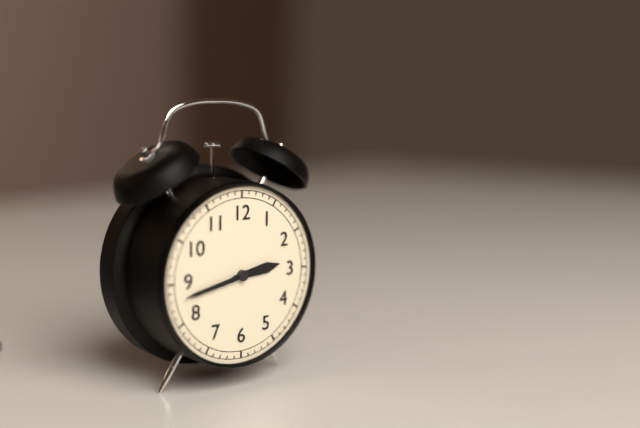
2:43
